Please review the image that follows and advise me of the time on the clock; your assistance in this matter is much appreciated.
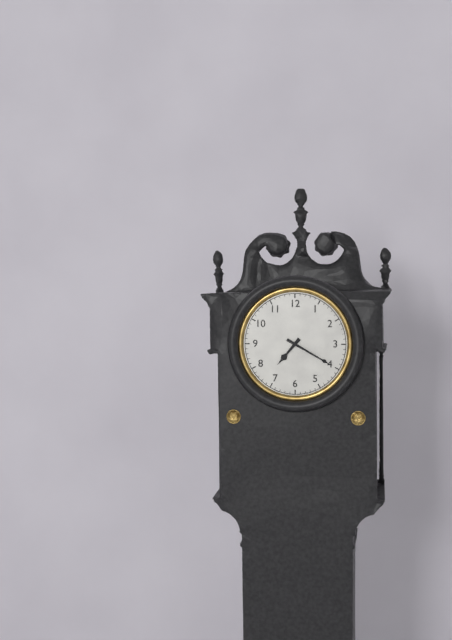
7:20
